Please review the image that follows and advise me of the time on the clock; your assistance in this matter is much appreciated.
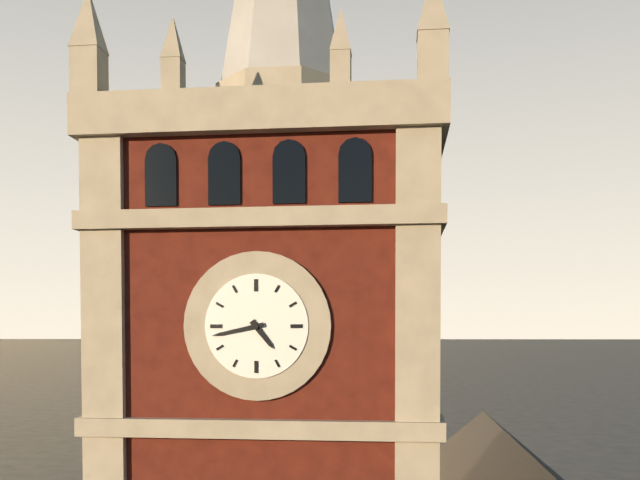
4:43
